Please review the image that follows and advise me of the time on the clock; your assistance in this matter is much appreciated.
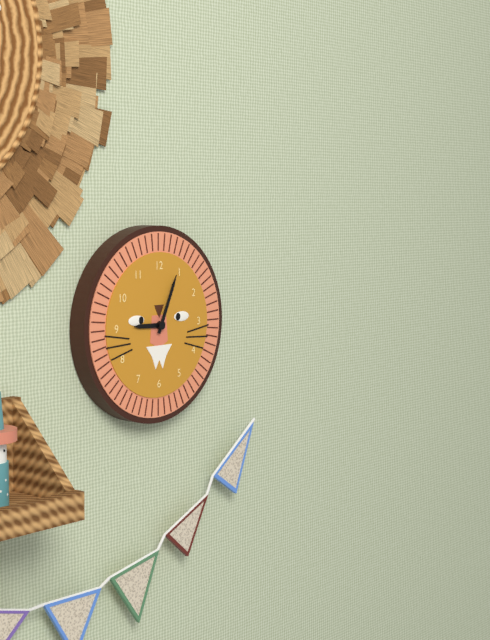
9:04
